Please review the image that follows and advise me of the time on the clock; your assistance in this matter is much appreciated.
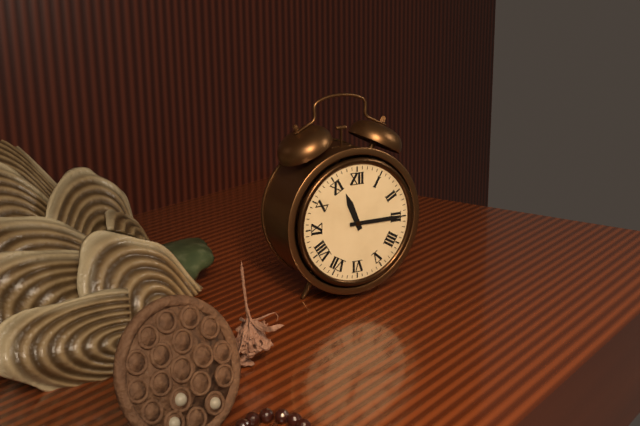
11:15
